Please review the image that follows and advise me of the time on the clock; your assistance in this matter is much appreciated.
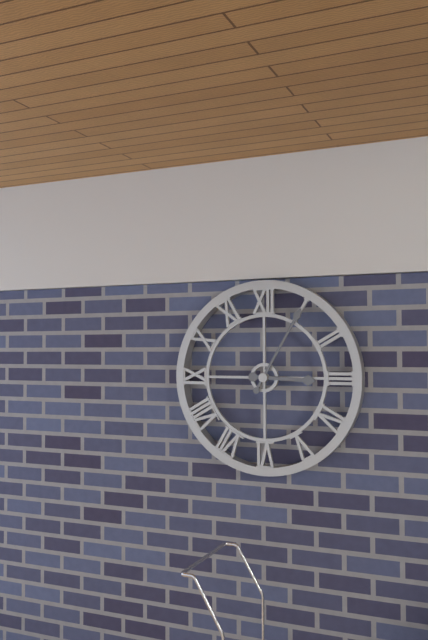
3:05
